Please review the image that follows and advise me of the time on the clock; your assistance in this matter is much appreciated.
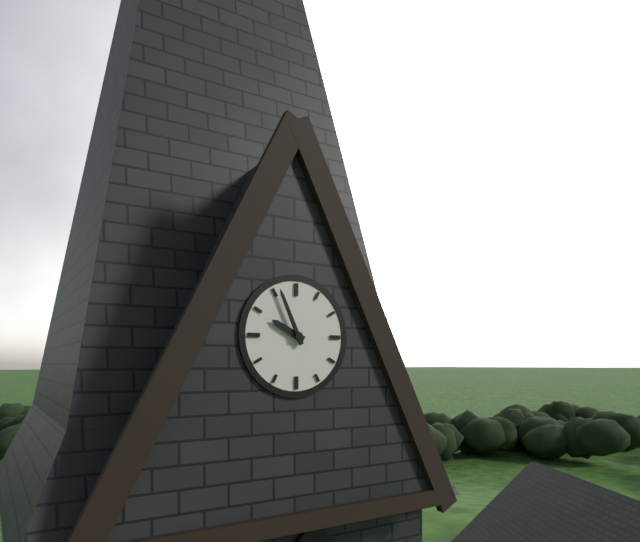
9:56
